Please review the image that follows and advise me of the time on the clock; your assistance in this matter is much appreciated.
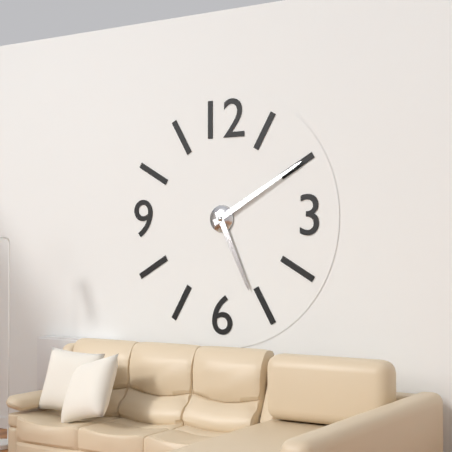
5:10
